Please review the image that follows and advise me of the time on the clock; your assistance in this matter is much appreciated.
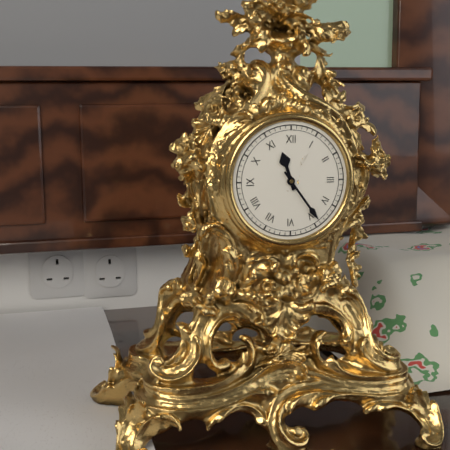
11:24
